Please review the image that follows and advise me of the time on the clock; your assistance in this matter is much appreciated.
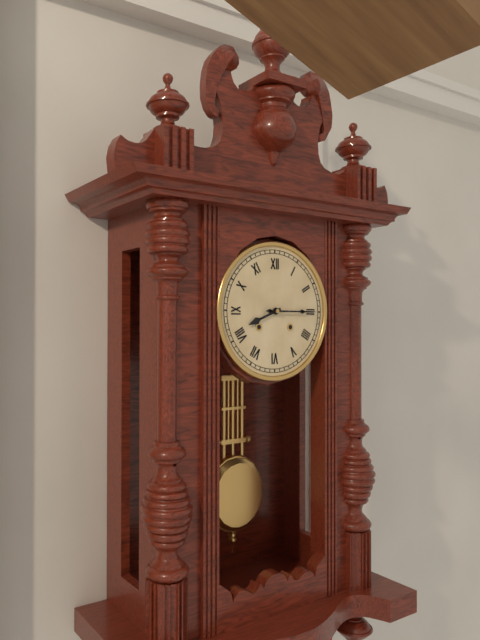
8:15
